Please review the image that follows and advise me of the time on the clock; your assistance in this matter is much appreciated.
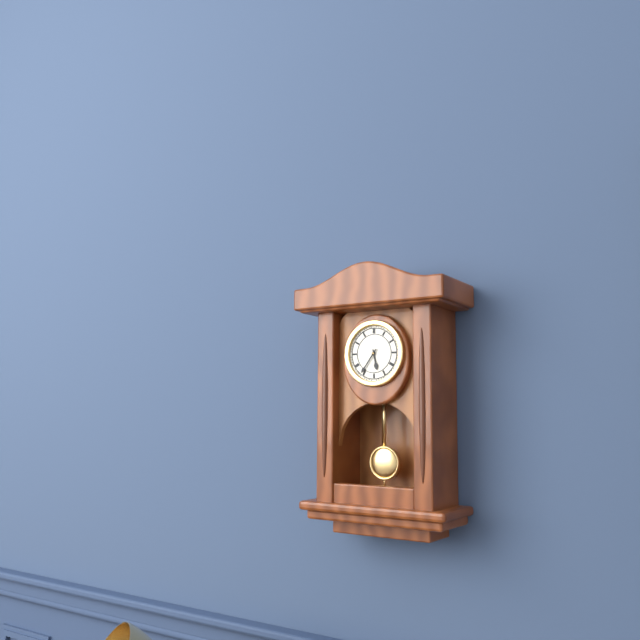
5:36
